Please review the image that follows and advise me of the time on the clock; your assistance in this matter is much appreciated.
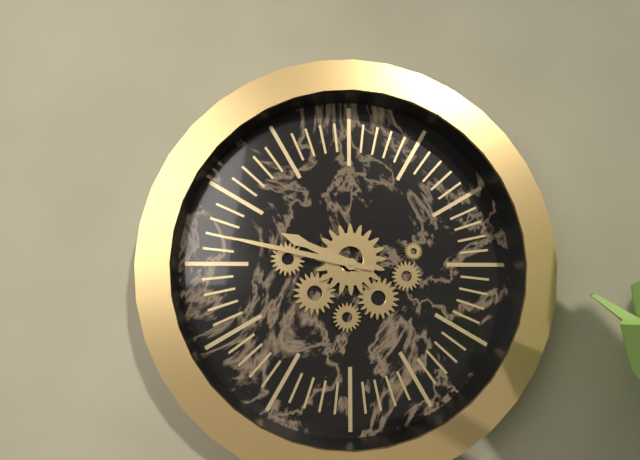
9:47
